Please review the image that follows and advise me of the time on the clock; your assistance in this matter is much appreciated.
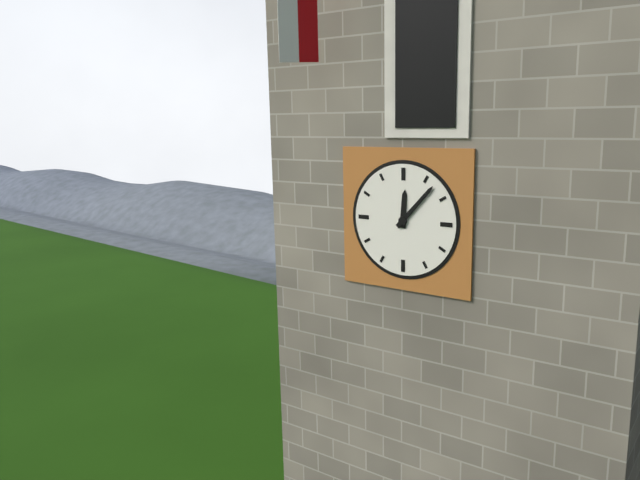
12:07
